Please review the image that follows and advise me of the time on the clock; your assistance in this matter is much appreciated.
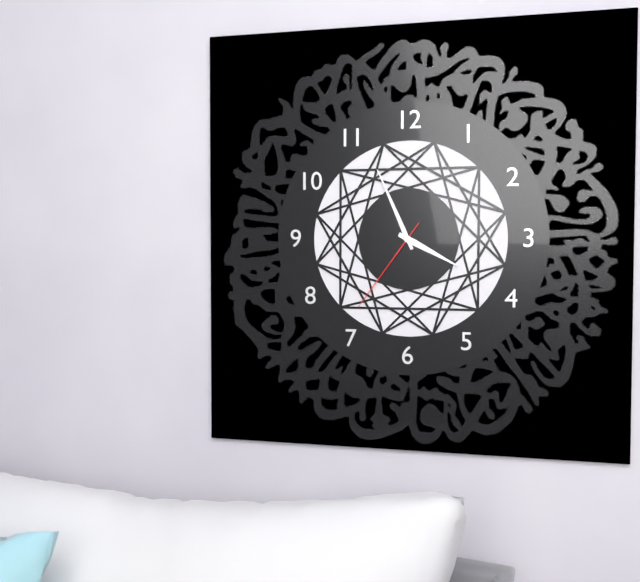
3:56:36
